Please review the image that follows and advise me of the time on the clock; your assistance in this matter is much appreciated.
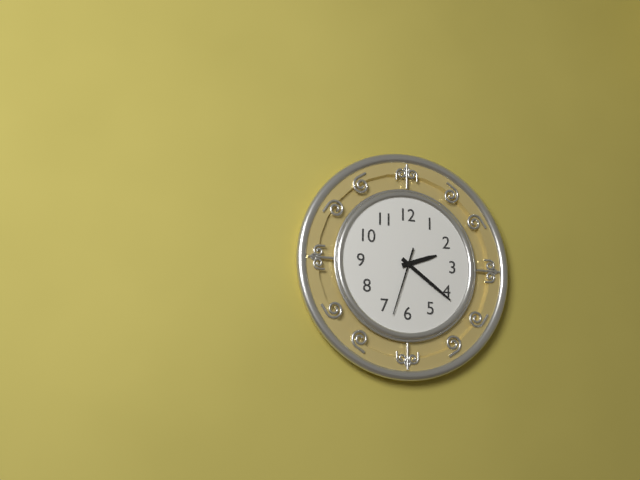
2:21:33
